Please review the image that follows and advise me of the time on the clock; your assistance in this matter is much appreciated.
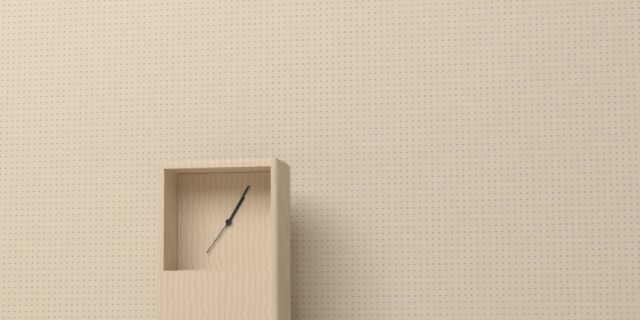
1:05
